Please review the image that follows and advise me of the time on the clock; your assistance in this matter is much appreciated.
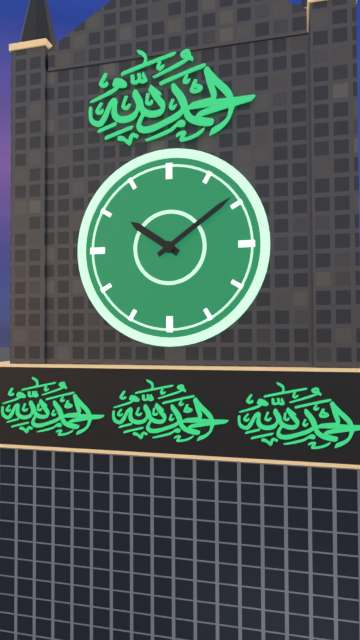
10:09
